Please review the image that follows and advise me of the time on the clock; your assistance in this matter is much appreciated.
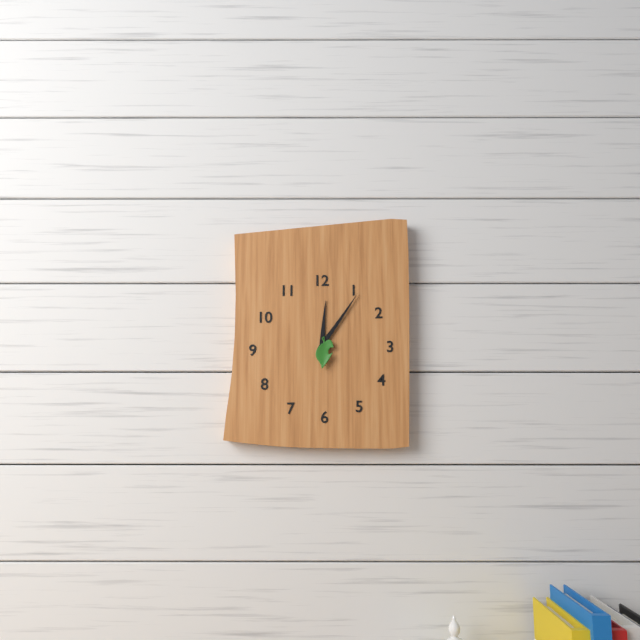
12:06
